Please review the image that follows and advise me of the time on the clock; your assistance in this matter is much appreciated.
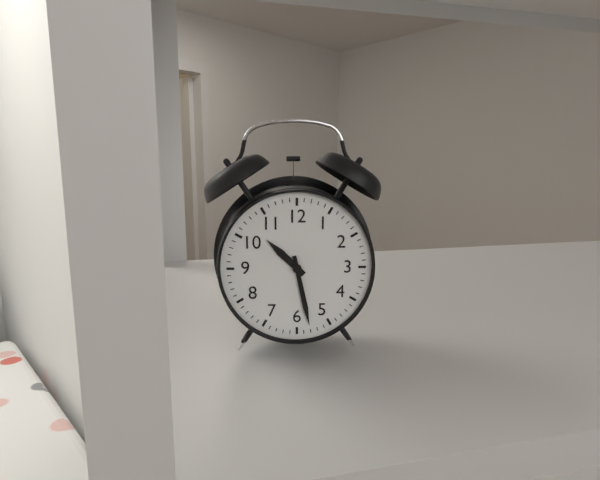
10:28
